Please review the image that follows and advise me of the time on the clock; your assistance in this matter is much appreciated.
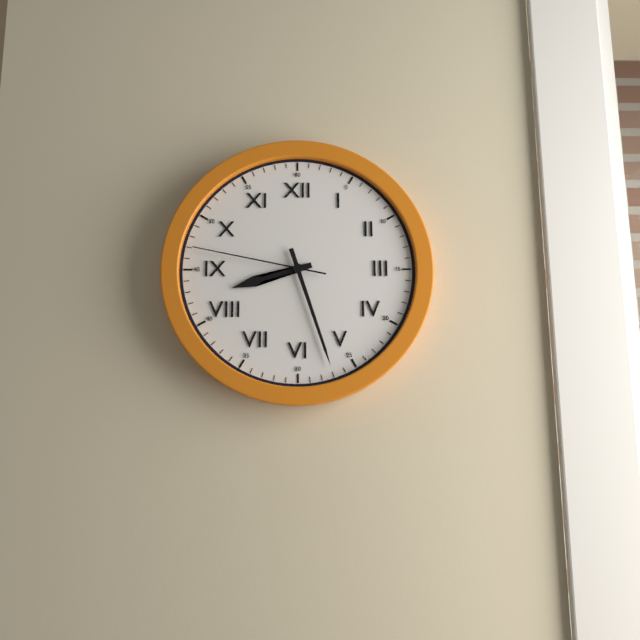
8:27:47
